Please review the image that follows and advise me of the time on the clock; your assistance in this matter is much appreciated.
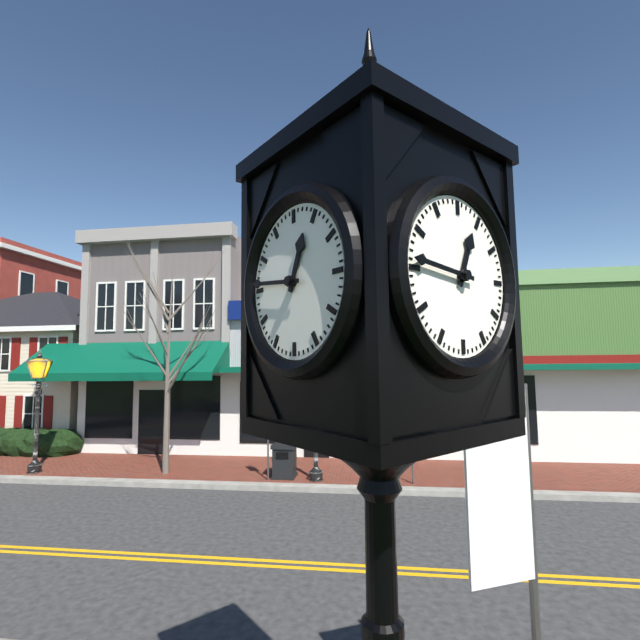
12:46
